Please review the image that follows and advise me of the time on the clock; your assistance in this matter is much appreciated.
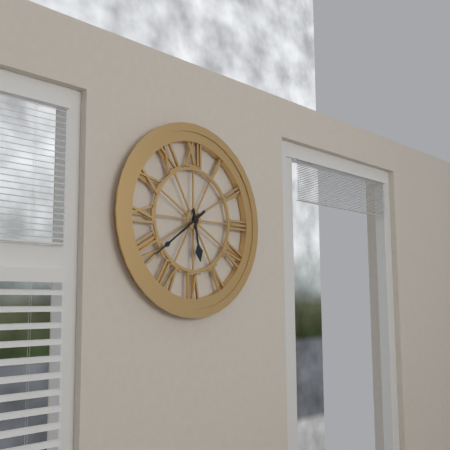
5:39
